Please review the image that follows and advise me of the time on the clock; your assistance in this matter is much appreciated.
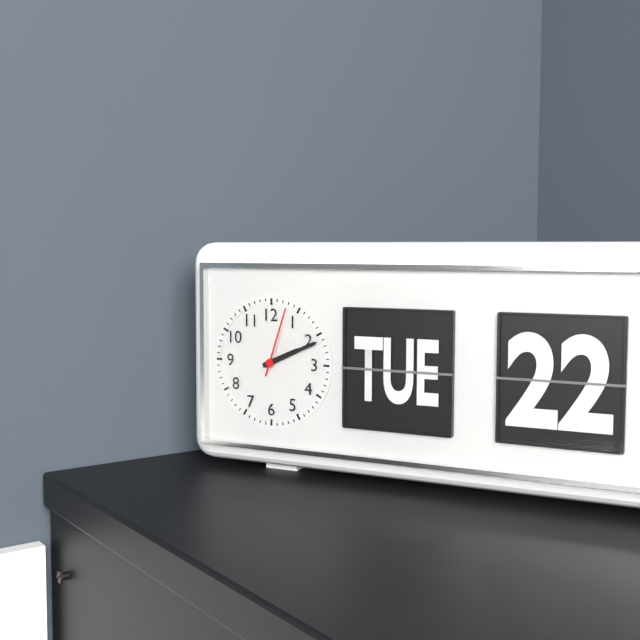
2:11:03
